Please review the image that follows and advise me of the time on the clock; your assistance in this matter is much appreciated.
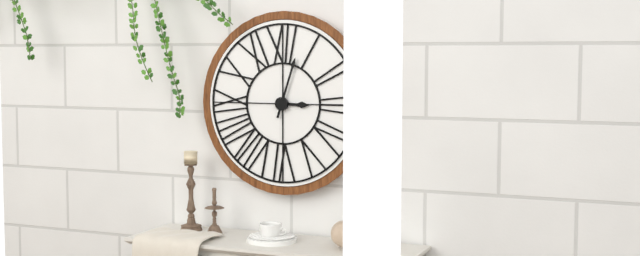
3:03
